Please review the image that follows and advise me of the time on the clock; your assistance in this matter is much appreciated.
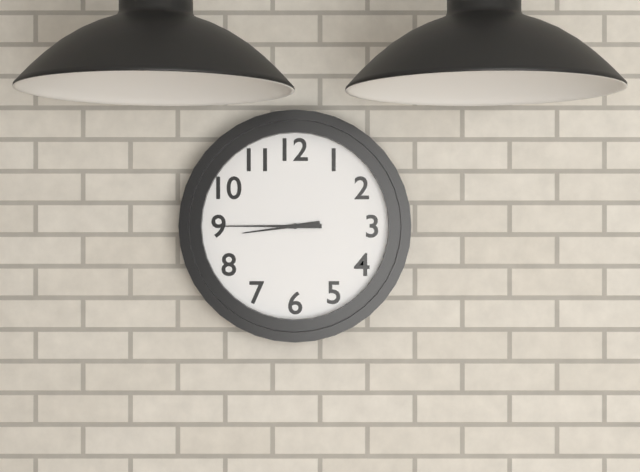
8:45
